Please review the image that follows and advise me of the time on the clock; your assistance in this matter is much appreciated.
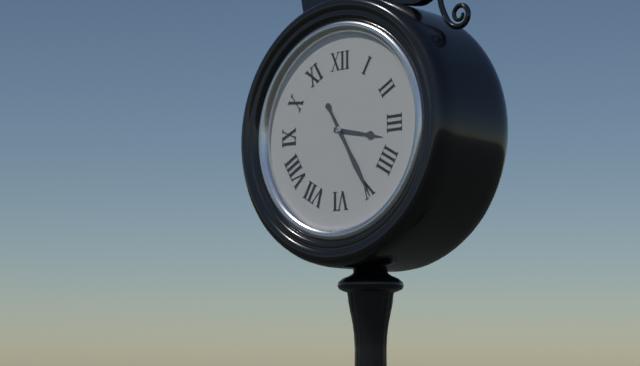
3:25
